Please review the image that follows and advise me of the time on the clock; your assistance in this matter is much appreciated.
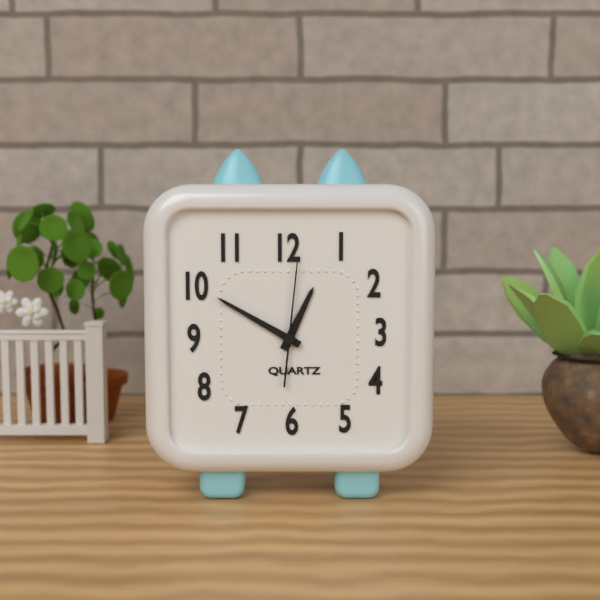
12:50:01
